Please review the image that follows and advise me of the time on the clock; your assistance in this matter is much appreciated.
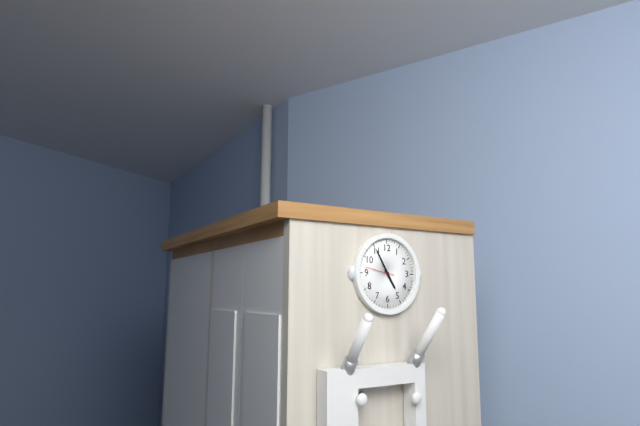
4:55
